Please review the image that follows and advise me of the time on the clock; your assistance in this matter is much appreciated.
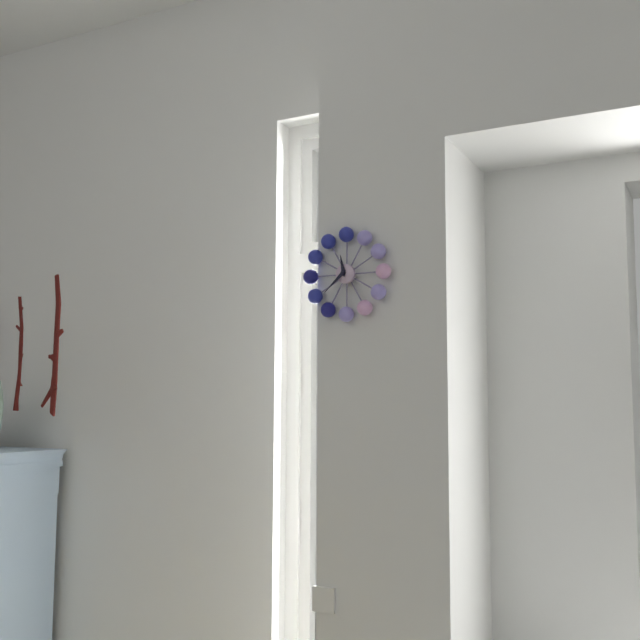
11:38
